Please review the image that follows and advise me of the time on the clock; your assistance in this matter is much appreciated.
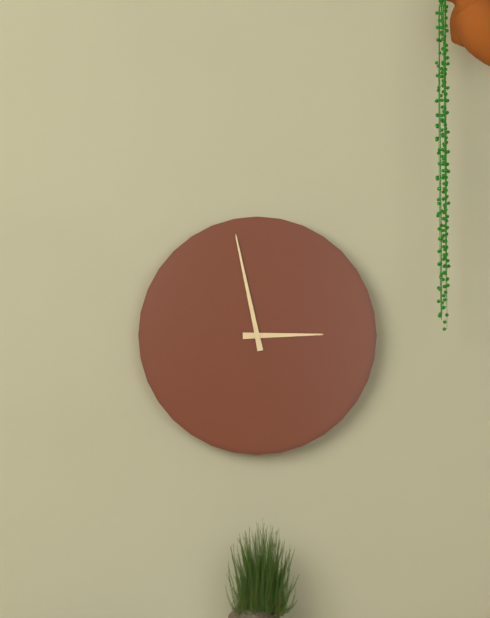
2:58
